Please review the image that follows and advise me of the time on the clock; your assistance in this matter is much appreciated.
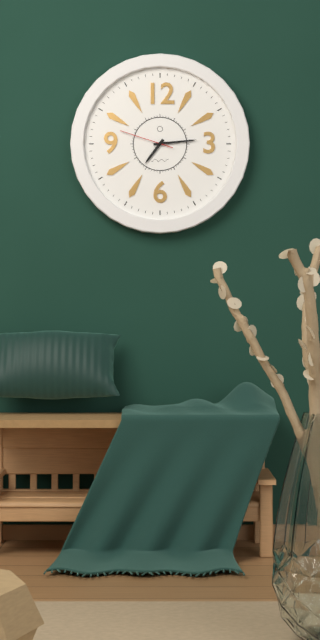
7:14:48
